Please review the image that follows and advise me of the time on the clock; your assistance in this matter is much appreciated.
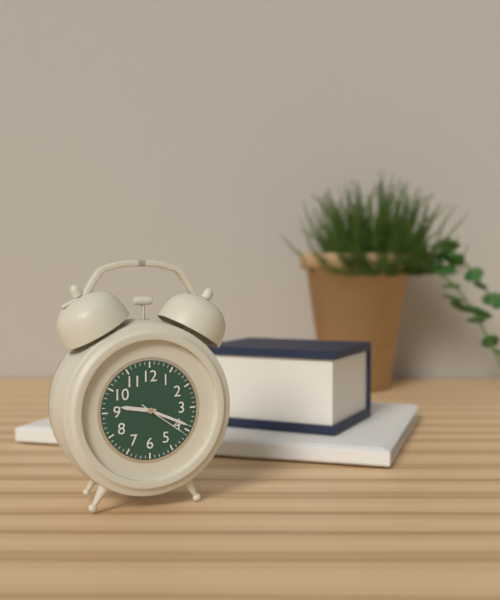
9:19:21
